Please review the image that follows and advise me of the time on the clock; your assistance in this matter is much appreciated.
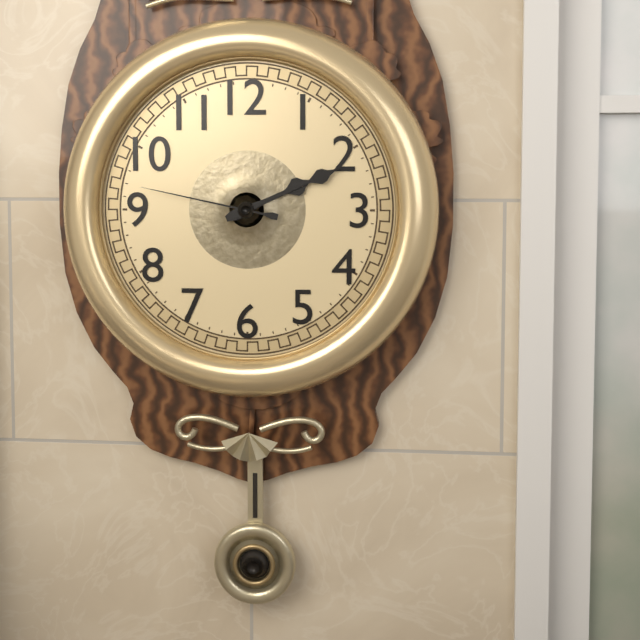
2:11:47
